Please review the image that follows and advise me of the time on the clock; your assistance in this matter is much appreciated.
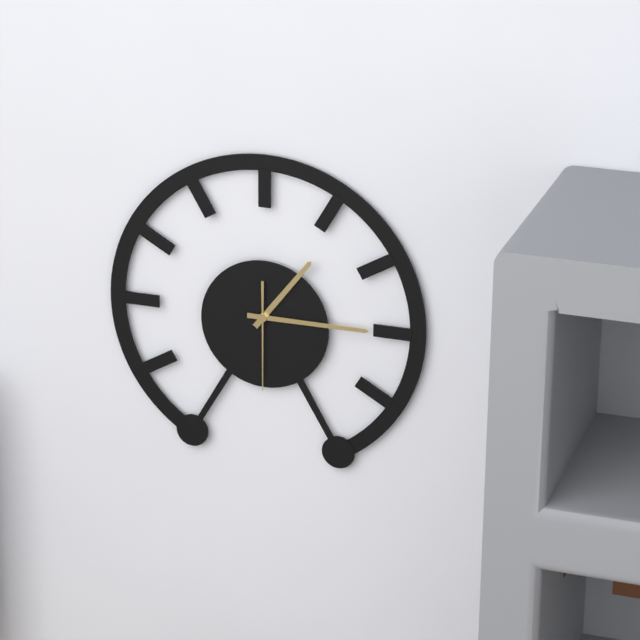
1:15:30
